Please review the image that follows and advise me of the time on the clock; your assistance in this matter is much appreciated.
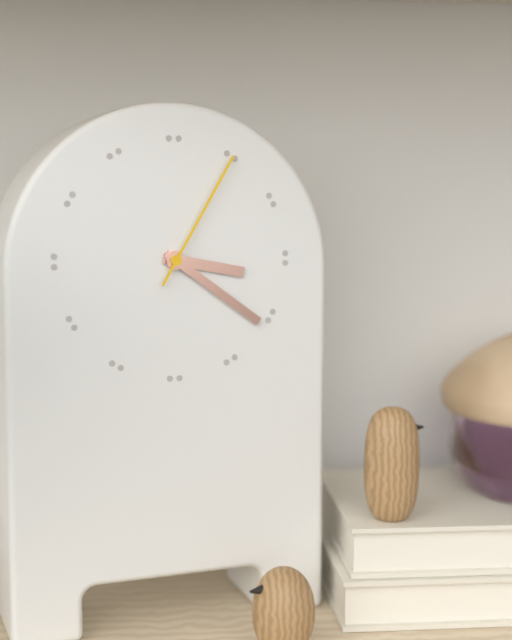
3:21:05
